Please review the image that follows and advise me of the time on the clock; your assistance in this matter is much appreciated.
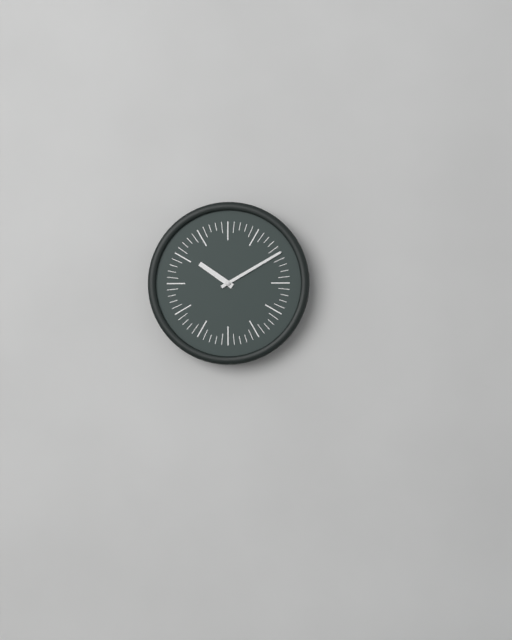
10:10
